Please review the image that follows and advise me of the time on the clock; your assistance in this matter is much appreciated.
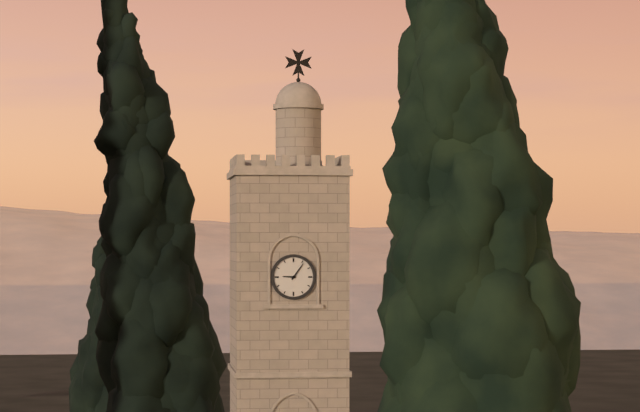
9:06
